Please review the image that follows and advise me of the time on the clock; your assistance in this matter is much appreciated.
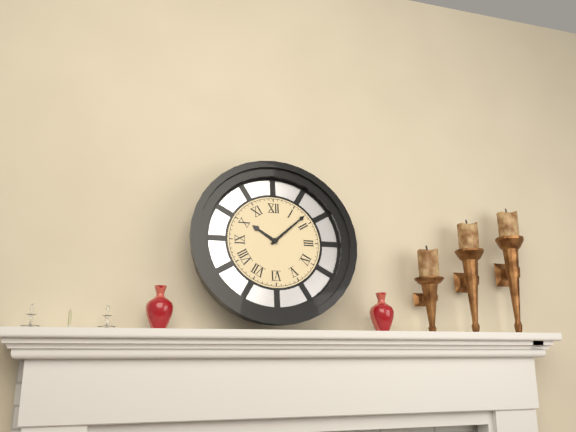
10:08
